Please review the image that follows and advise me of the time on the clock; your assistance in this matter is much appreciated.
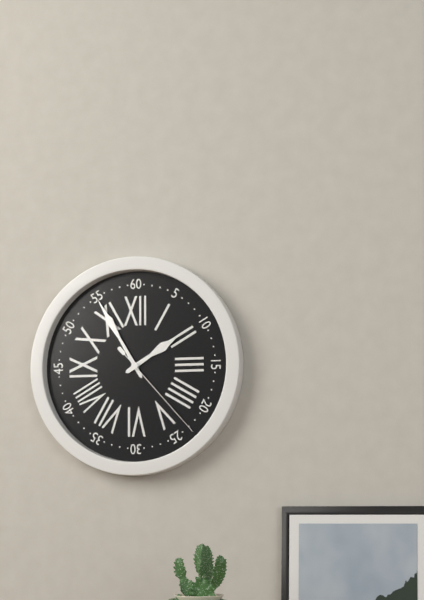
1:55:23
